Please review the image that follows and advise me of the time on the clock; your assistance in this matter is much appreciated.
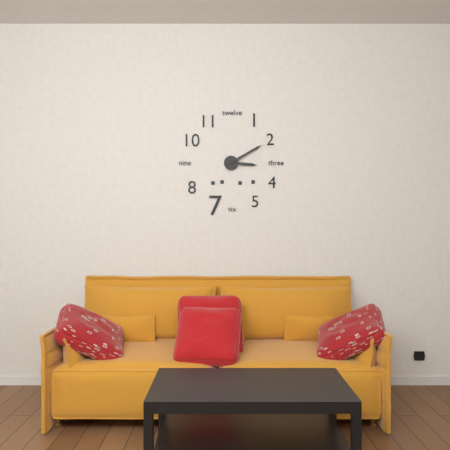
3:10
